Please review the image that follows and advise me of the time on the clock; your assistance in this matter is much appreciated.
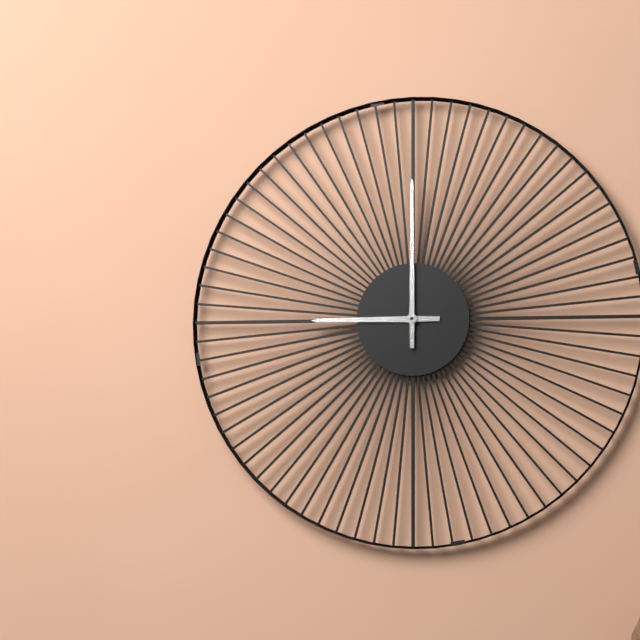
9:00
